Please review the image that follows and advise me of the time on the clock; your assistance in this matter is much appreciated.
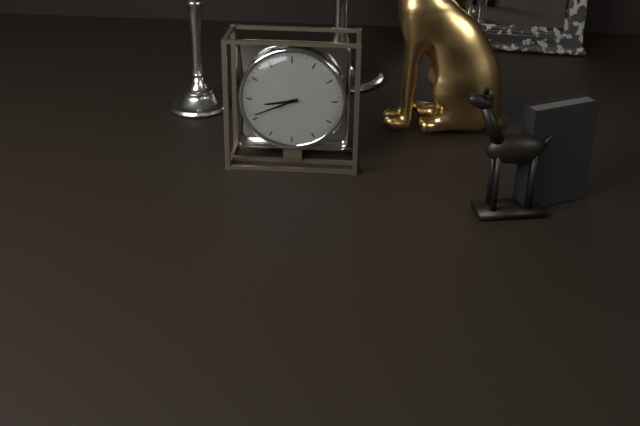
8:41
